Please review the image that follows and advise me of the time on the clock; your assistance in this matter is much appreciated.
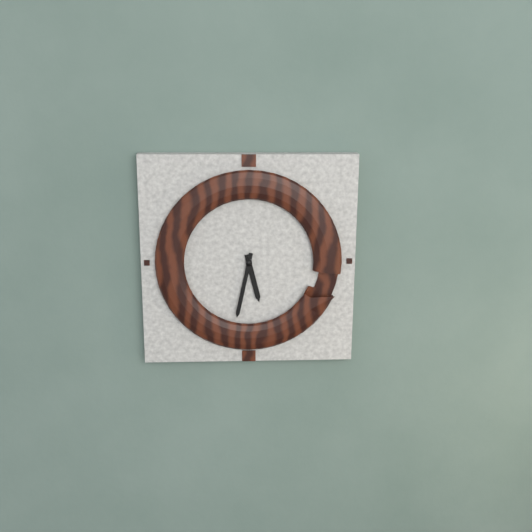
5:32
